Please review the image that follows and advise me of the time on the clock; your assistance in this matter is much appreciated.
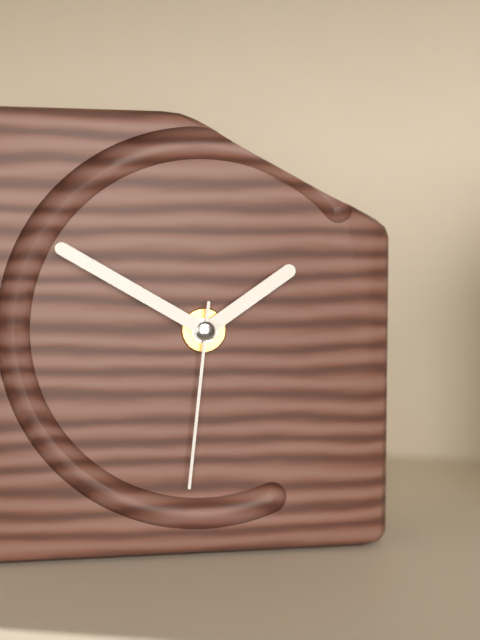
1:50:31
